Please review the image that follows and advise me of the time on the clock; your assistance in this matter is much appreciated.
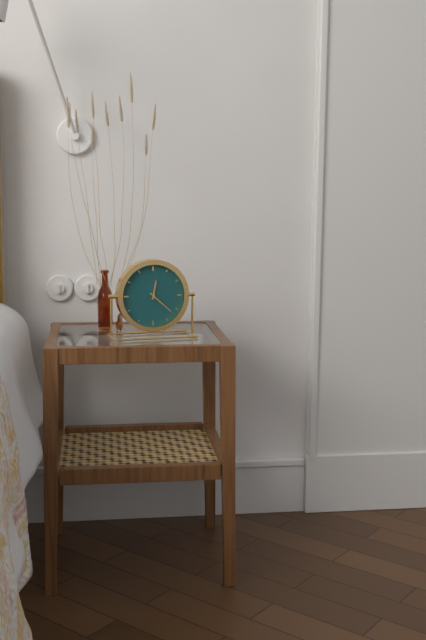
12:22
